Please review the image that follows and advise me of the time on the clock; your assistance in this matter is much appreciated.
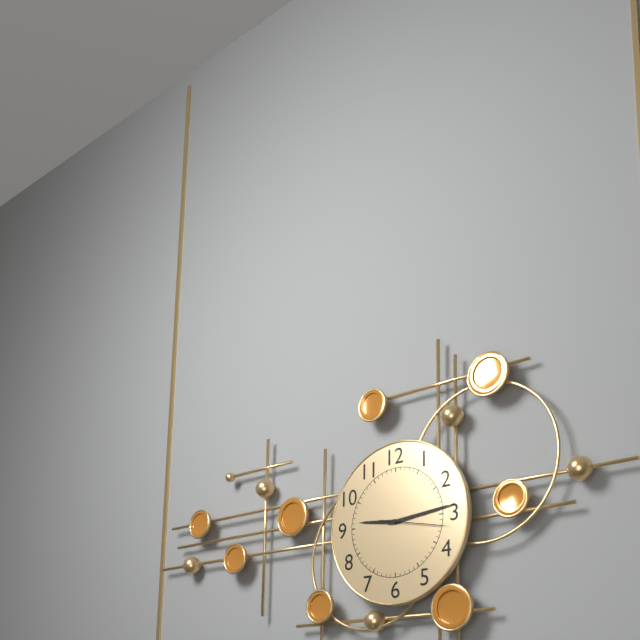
9:14:17
